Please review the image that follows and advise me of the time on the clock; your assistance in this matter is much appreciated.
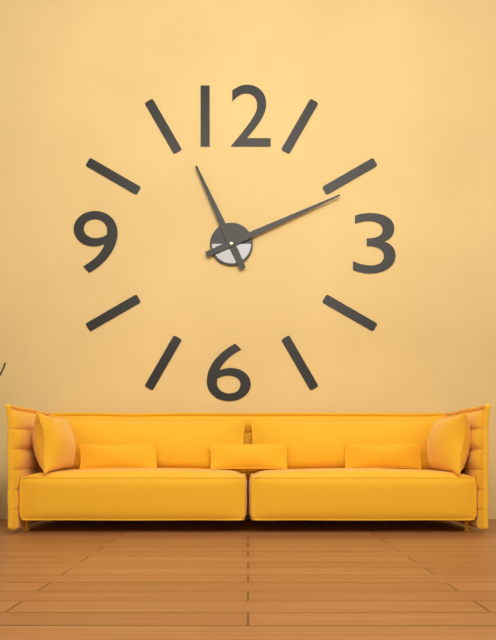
11:11
